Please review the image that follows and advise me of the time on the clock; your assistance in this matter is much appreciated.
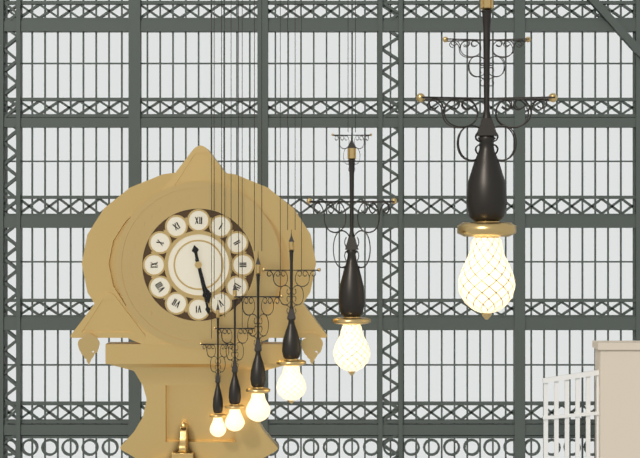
5:28
